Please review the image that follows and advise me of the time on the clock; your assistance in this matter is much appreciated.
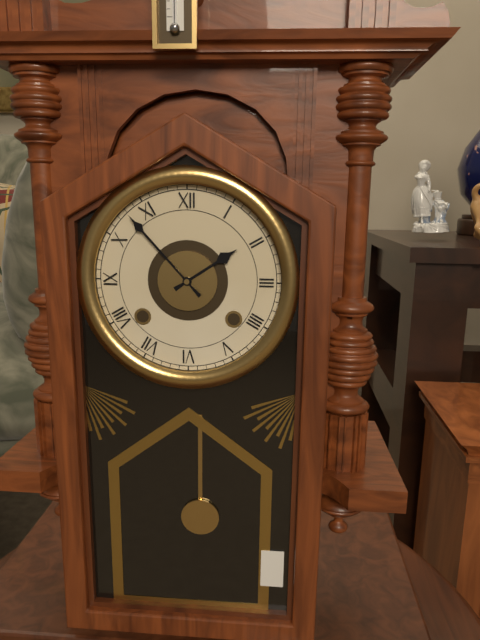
1:53
